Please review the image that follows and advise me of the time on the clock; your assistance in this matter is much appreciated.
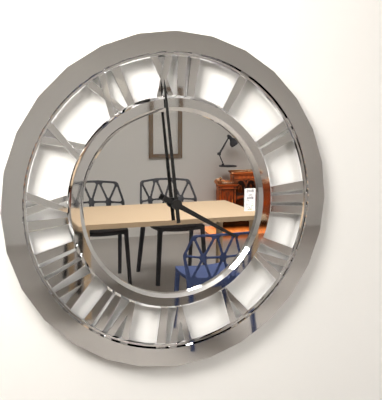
3:59
